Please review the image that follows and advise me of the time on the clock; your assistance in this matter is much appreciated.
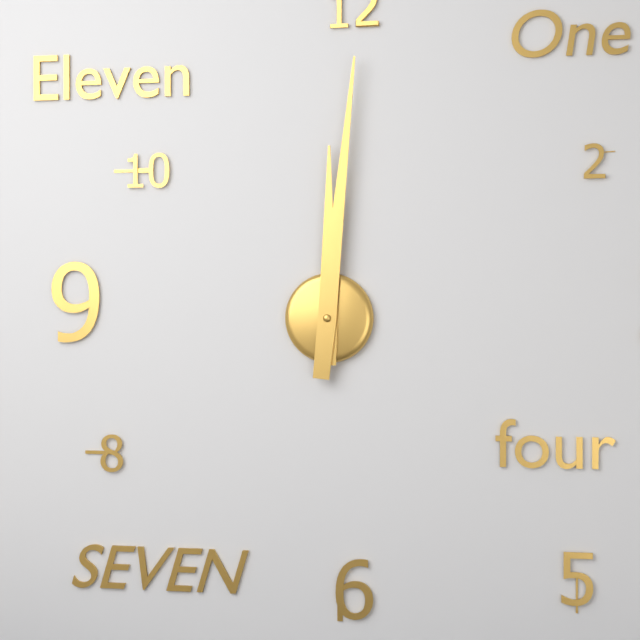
12:01
